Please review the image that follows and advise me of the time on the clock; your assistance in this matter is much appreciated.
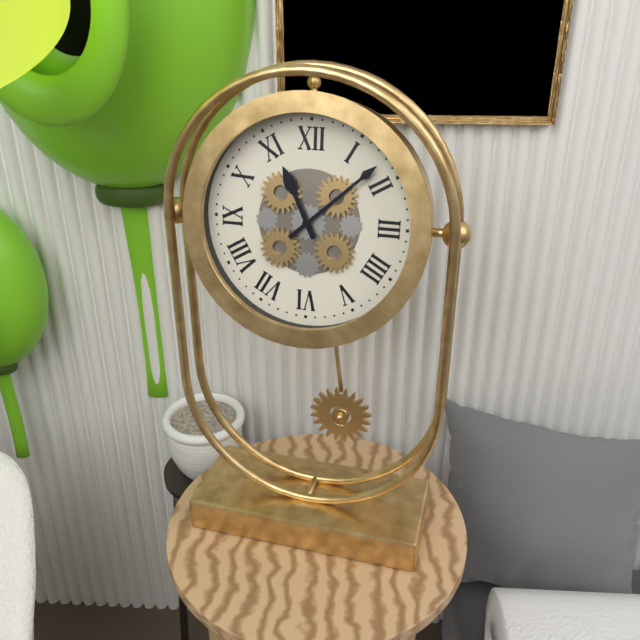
11:08
